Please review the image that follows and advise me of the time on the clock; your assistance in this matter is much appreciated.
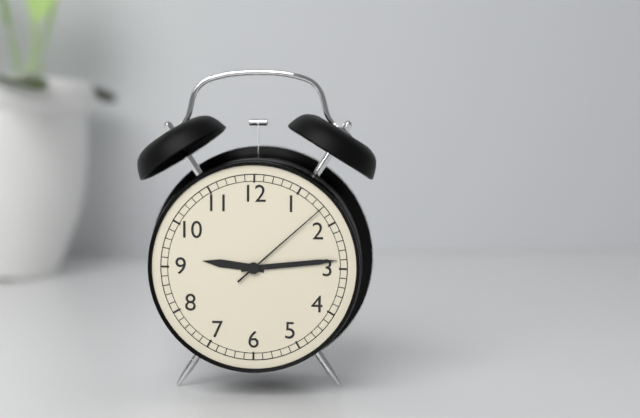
9:14:08
